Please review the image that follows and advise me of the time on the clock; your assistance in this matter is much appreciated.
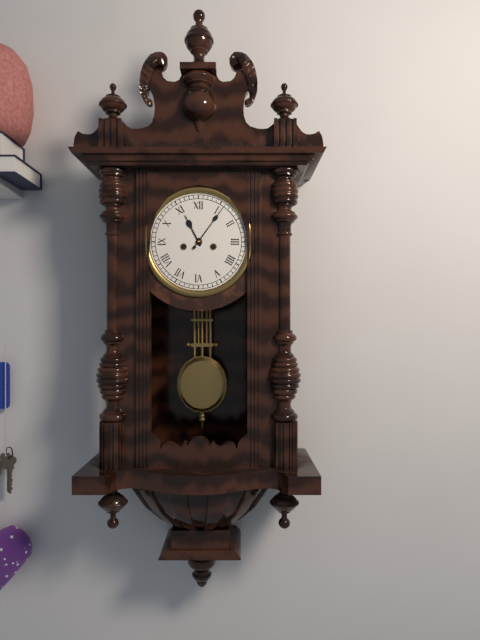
11:06
